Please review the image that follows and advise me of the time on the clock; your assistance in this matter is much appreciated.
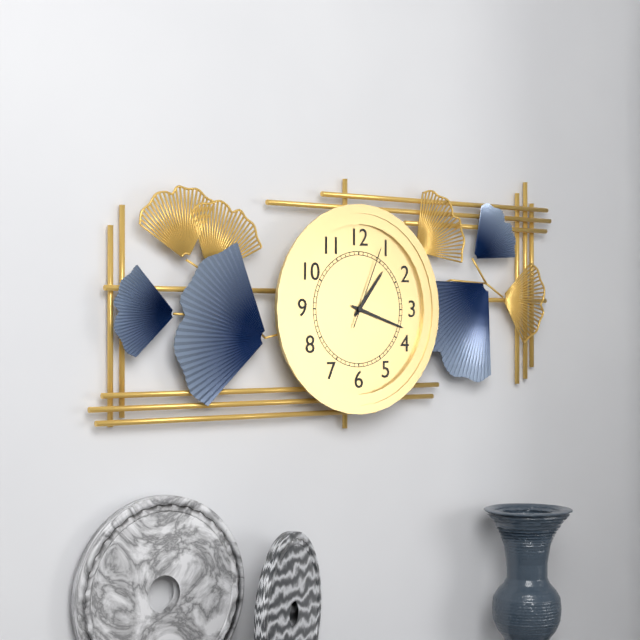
1:18:04
